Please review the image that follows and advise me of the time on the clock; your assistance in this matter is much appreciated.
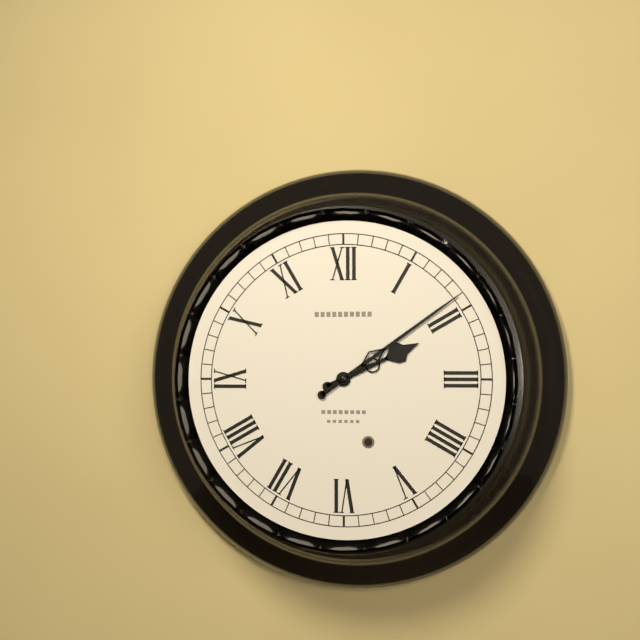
2:09
